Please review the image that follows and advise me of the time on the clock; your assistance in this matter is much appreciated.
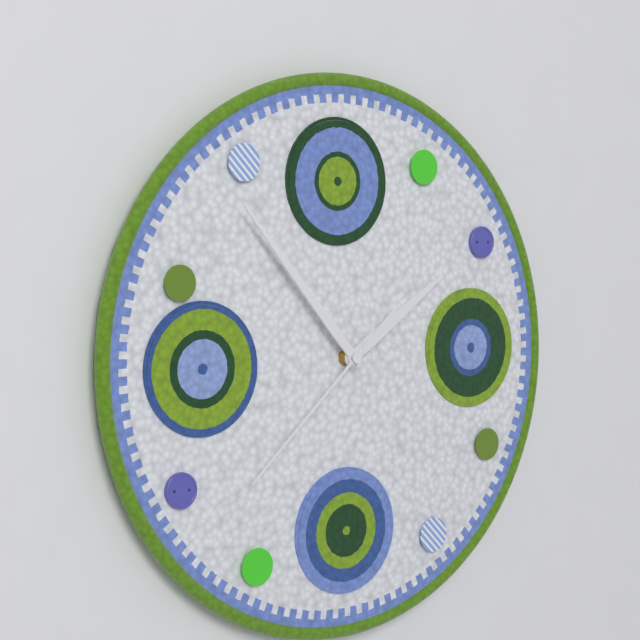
1:53:38
